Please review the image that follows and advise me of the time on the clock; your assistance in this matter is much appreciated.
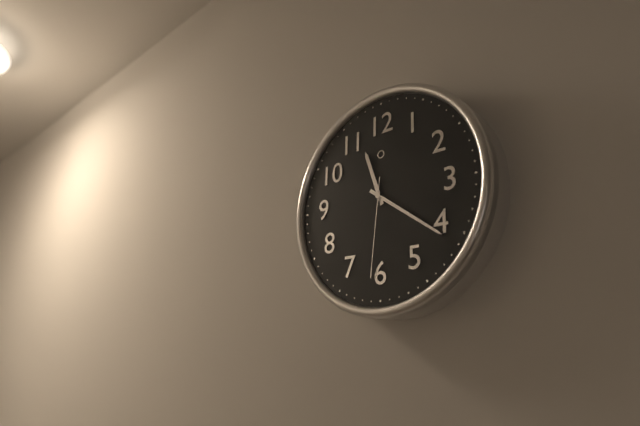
11:21:31
